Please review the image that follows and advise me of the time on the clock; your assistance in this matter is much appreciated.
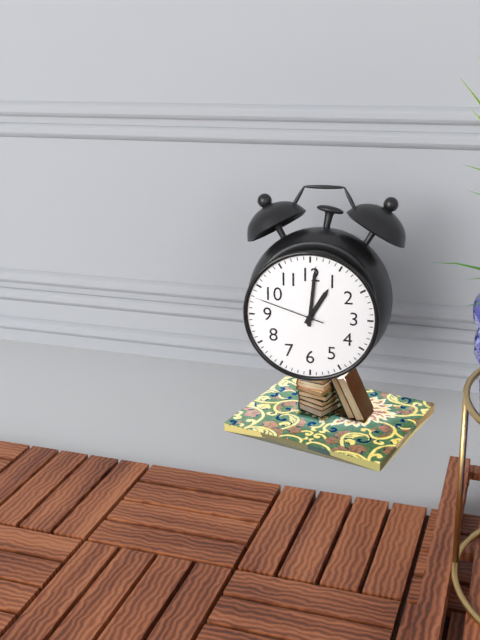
1:01:48
